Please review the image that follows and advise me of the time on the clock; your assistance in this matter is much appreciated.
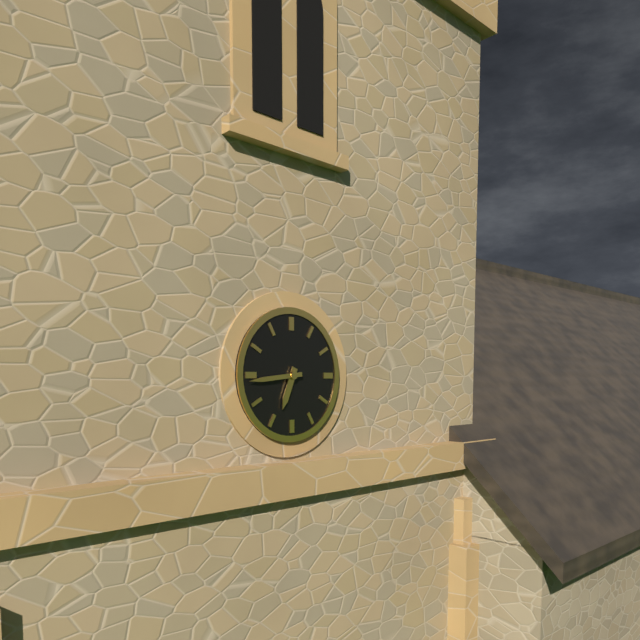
6:44
